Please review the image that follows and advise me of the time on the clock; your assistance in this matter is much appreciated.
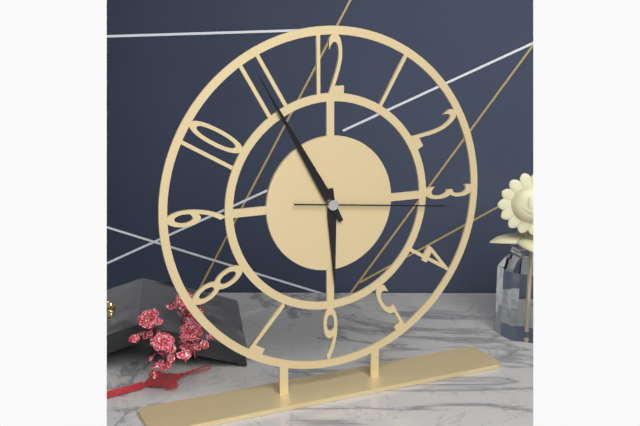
5:55:16
